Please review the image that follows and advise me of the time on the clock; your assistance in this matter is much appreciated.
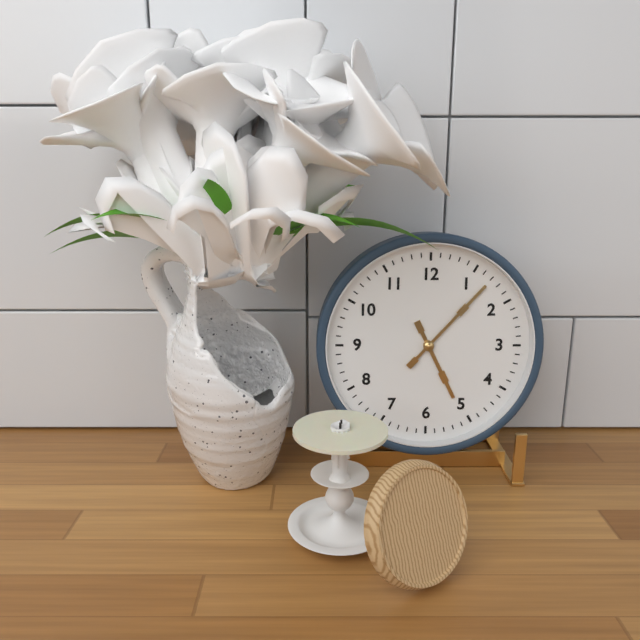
5:07
